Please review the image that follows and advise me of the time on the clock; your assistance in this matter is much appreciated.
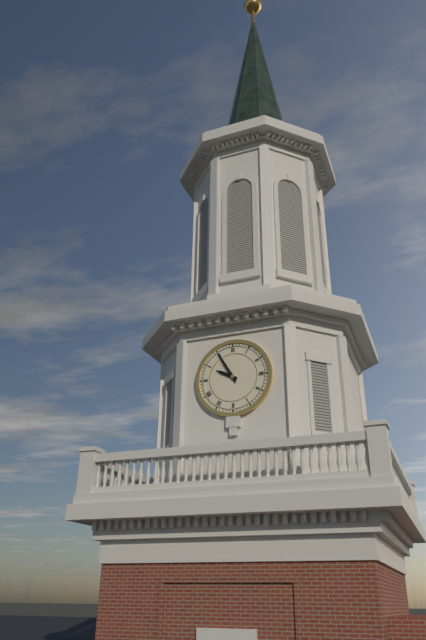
9:55
